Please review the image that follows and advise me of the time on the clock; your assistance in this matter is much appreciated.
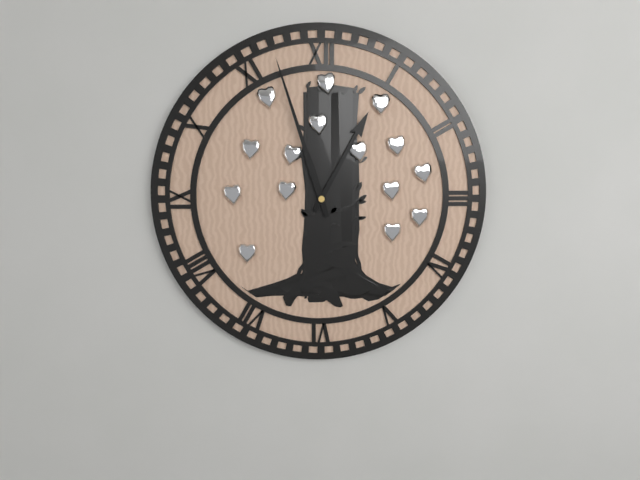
12:57
